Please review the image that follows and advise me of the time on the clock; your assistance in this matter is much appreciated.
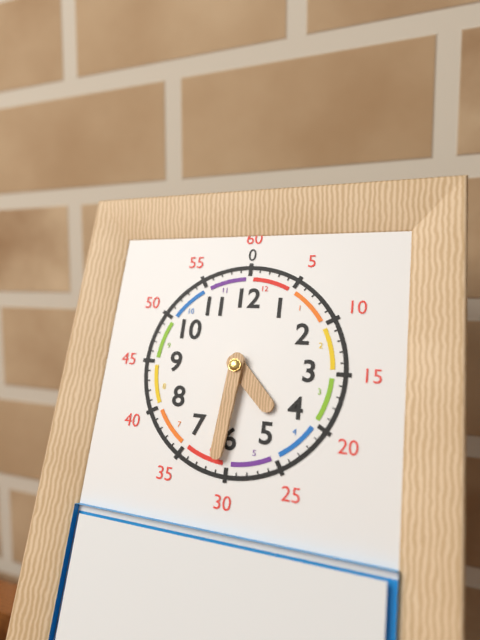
4:31
